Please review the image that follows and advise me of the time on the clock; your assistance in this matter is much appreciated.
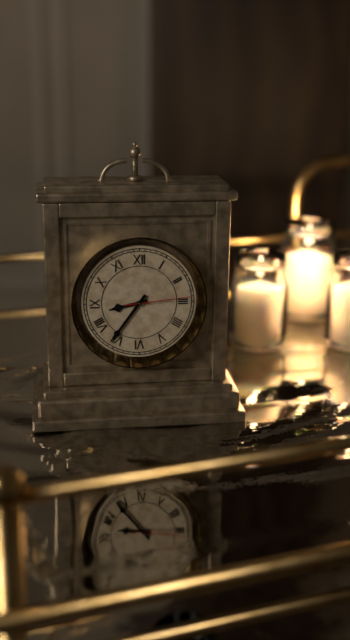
8:36:14
